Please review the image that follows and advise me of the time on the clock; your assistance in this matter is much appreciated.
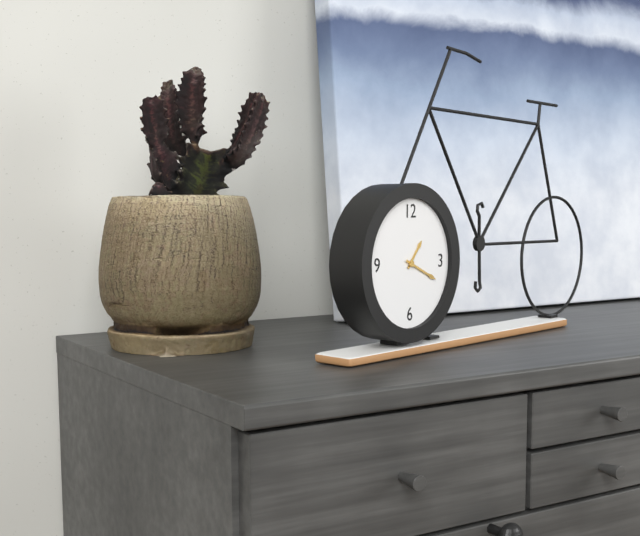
1:19
